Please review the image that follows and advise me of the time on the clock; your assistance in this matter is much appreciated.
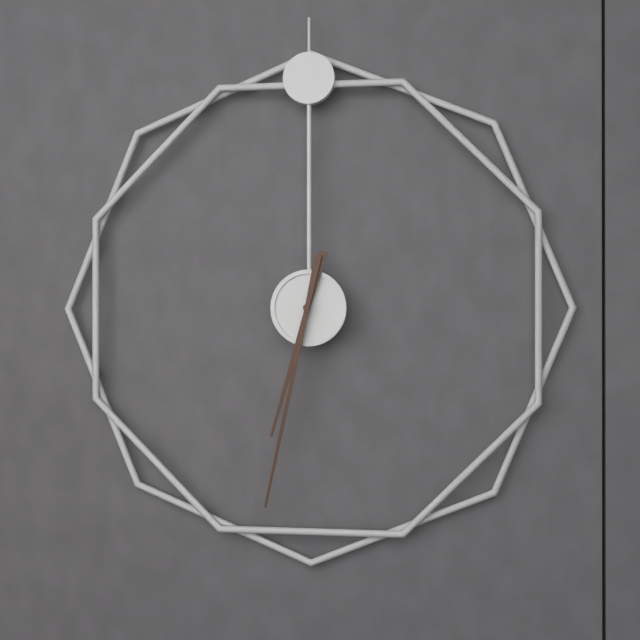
6:32
